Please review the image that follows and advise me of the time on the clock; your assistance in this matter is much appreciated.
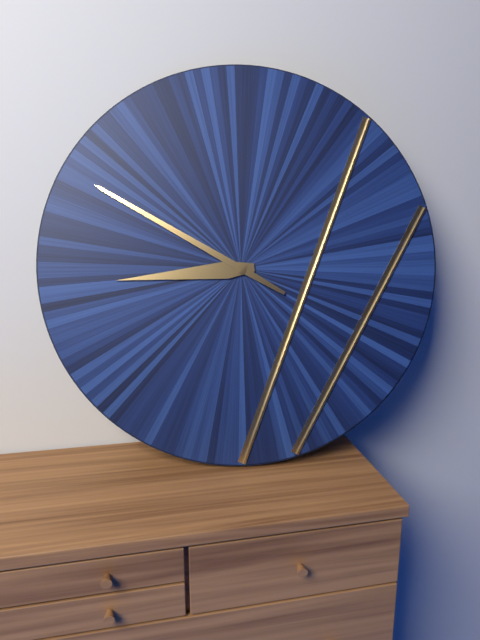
8:50
